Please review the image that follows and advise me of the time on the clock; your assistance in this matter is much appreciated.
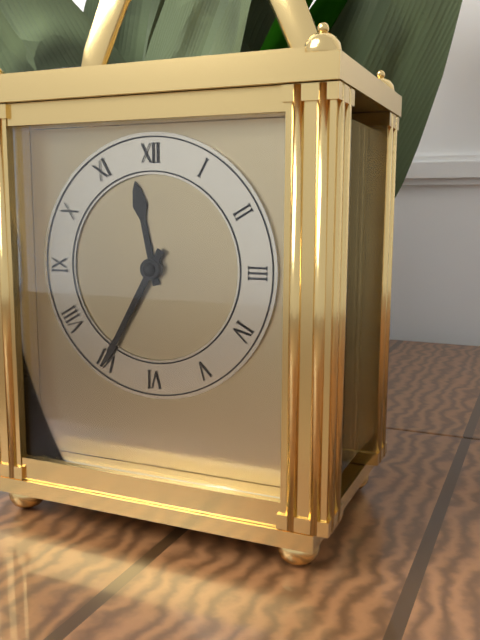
11:35
